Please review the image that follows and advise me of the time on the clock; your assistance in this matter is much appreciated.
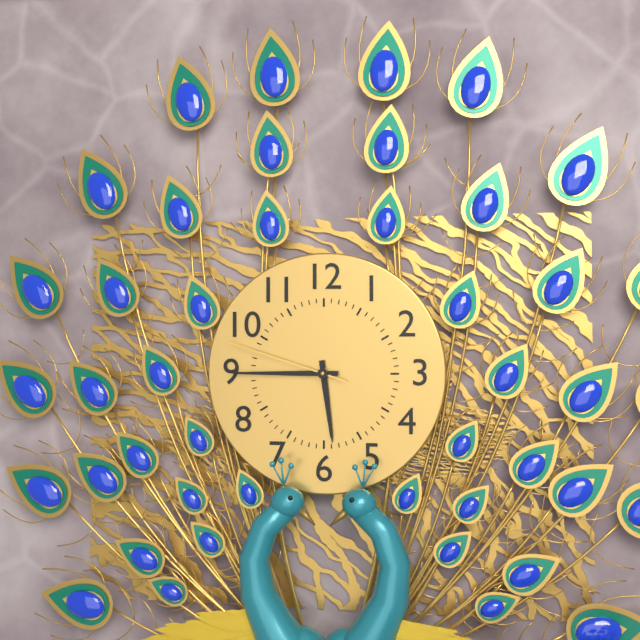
5:45:48
